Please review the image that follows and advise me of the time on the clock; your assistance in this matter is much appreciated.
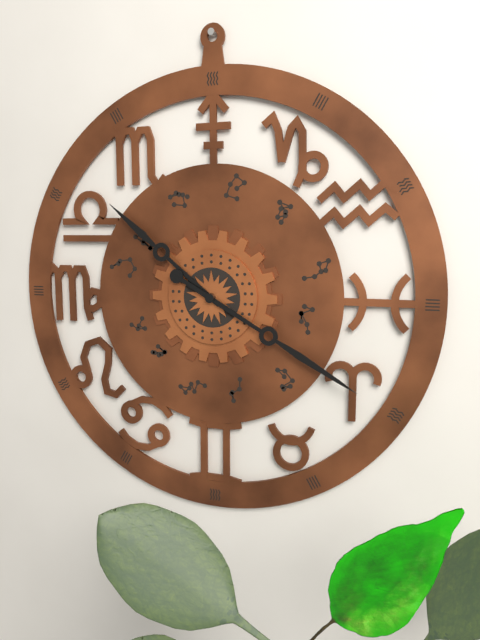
10:20
